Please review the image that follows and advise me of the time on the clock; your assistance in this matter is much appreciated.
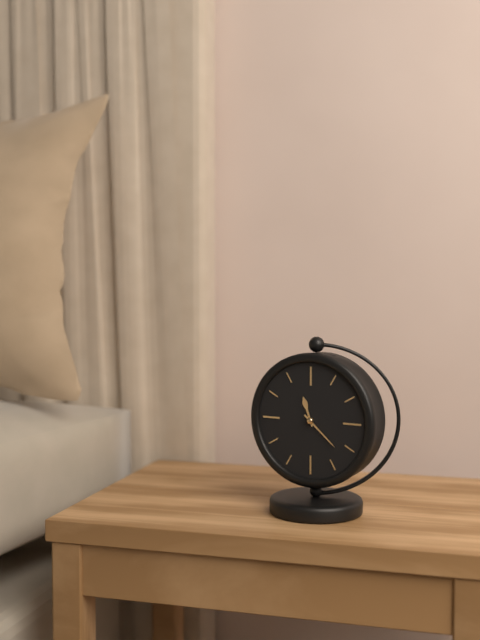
11:22
